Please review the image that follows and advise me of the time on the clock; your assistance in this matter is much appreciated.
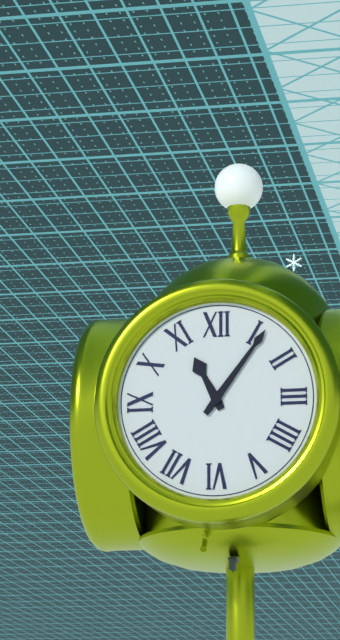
11:06
